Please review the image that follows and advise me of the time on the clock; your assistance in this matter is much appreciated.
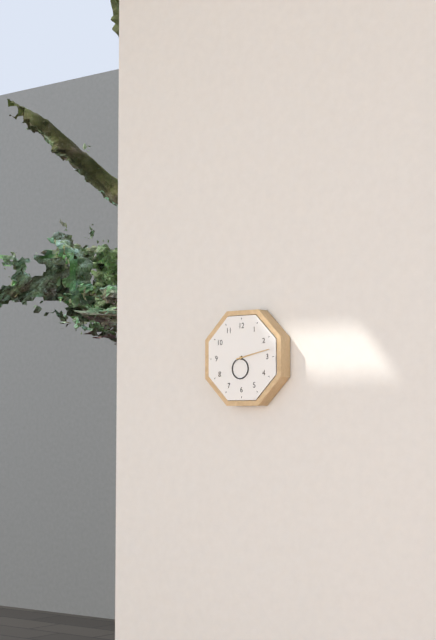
6:13
